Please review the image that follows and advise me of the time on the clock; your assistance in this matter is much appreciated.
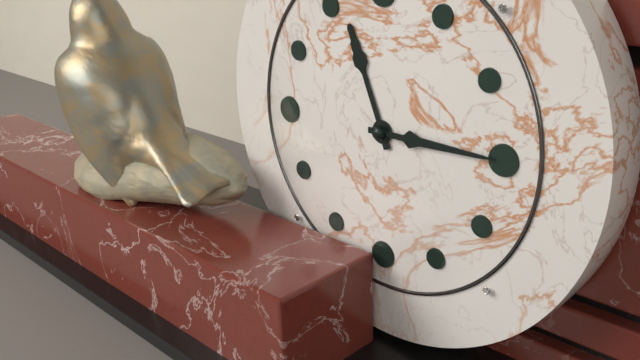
11:15
